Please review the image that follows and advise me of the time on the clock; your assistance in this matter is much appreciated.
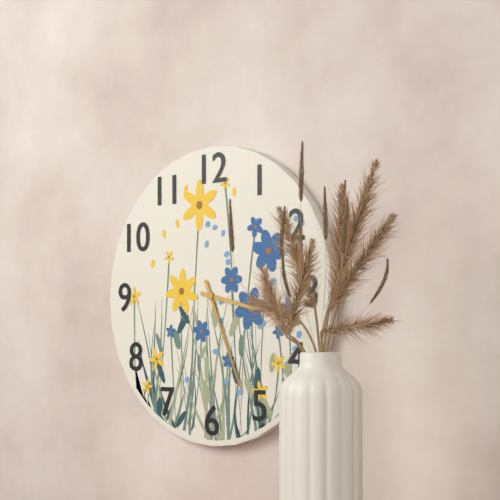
3:26
